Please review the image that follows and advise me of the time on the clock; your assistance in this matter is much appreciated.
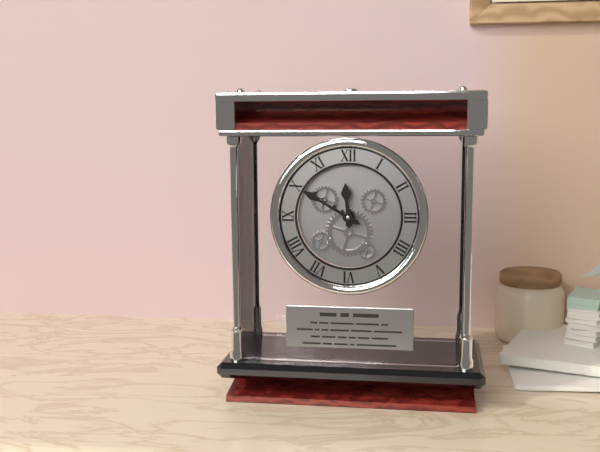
11:50
